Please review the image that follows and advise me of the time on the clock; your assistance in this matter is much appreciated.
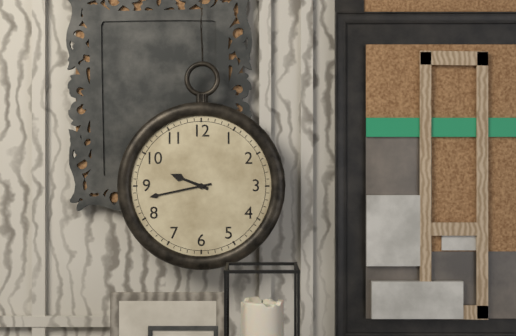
9:43
